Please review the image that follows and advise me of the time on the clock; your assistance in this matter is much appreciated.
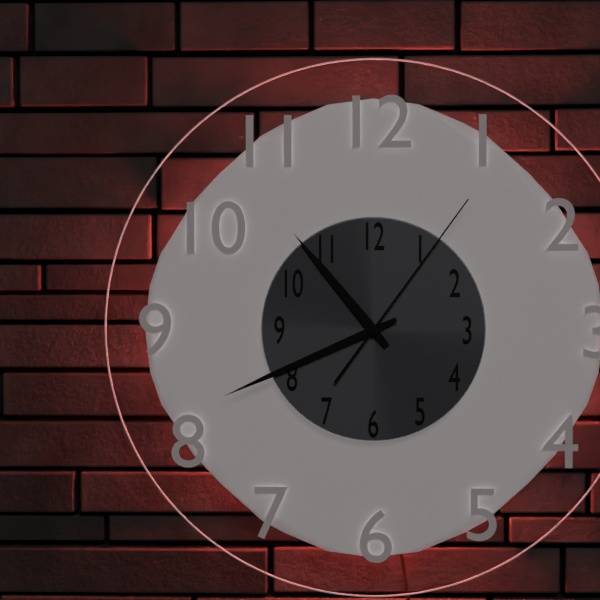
10:41:06
